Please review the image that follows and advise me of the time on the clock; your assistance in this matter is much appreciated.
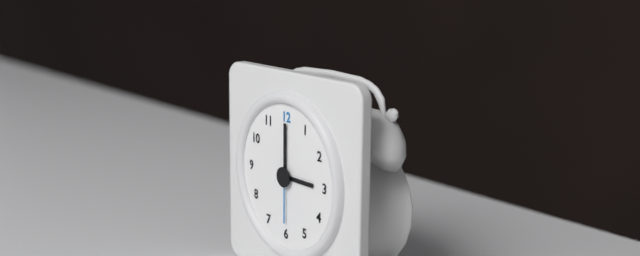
3:00:30
